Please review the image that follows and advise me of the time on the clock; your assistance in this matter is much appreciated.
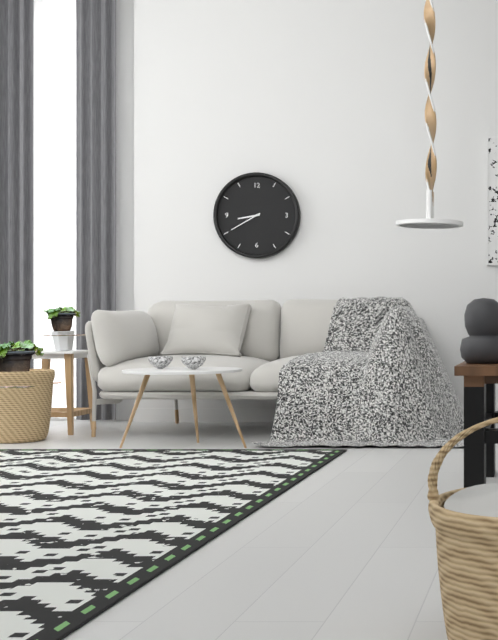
8:40
